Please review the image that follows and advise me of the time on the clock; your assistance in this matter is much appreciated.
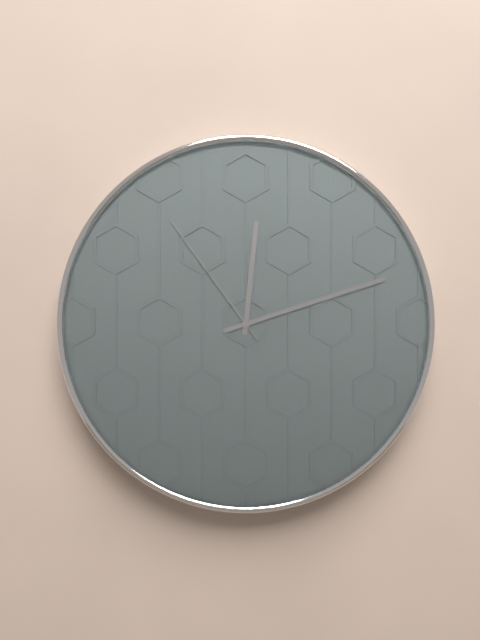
12:12:54
